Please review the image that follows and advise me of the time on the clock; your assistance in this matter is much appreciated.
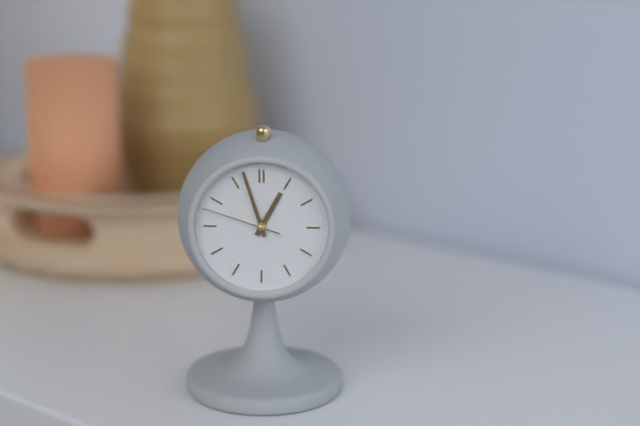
12:57:48
